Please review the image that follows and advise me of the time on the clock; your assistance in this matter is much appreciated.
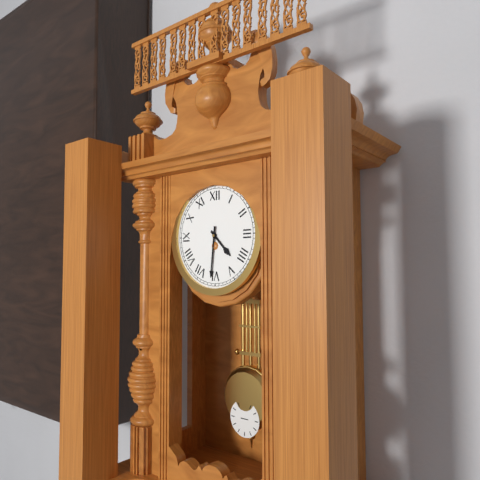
4:31
